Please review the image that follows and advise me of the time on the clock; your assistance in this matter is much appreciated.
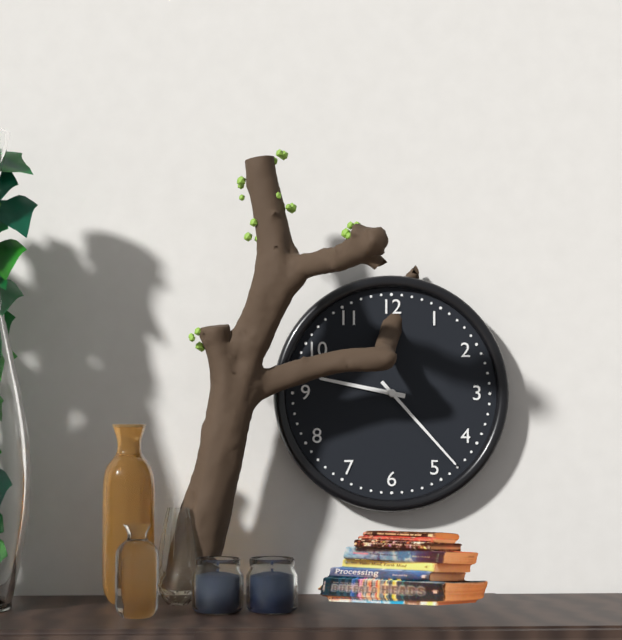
9:23
